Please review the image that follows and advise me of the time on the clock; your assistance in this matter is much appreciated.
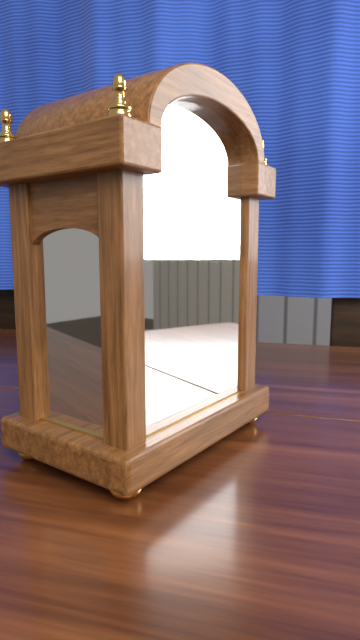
3:34
